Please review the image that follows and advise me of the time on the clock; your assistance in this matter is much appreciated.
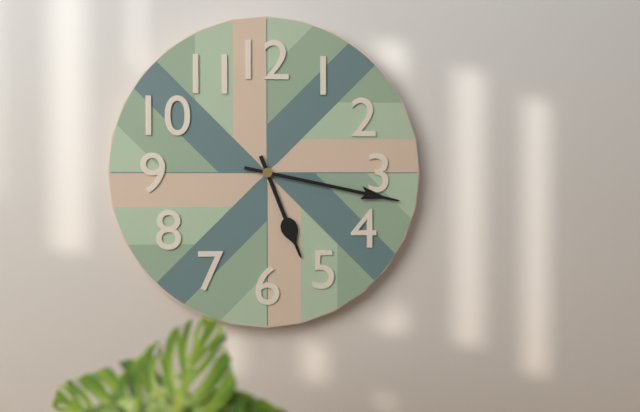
5:17
